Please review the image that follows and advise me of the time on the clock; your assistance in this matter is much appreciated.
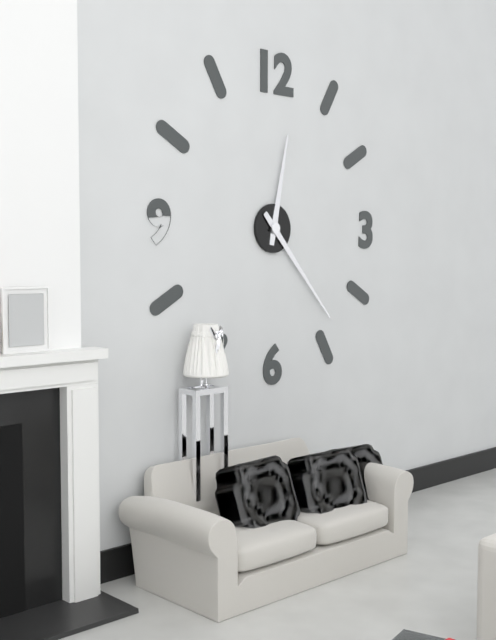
12:23
